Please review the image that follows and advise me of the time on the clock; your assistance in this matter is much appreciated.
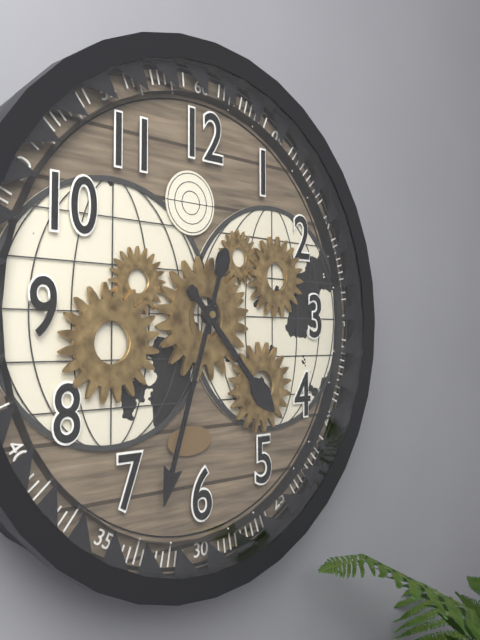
4:33
